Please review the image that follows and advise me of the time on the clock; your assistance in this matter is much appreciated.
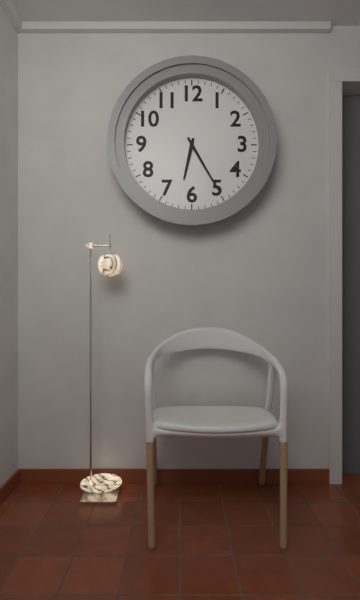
6:25
